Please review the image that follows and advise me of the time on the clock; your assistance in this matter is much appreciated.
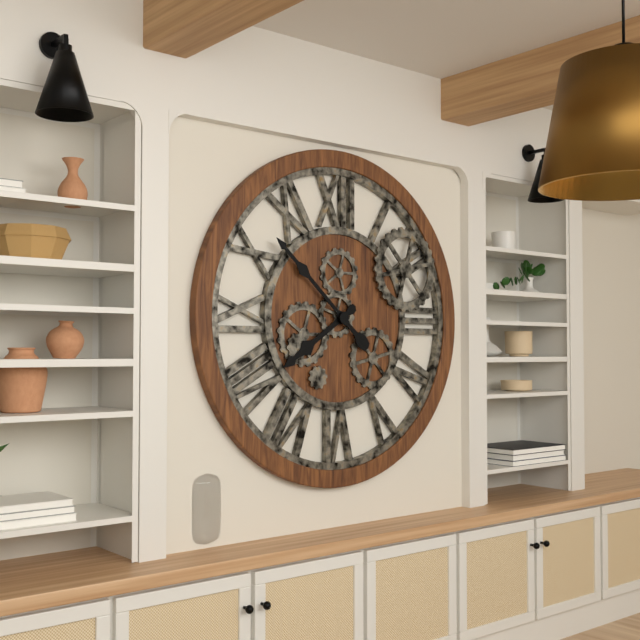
7:52
